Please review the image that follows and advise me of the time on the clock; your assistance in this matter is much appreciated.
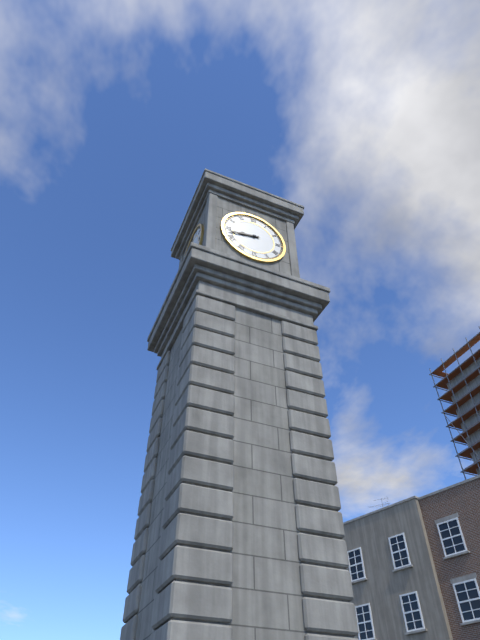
8:43
